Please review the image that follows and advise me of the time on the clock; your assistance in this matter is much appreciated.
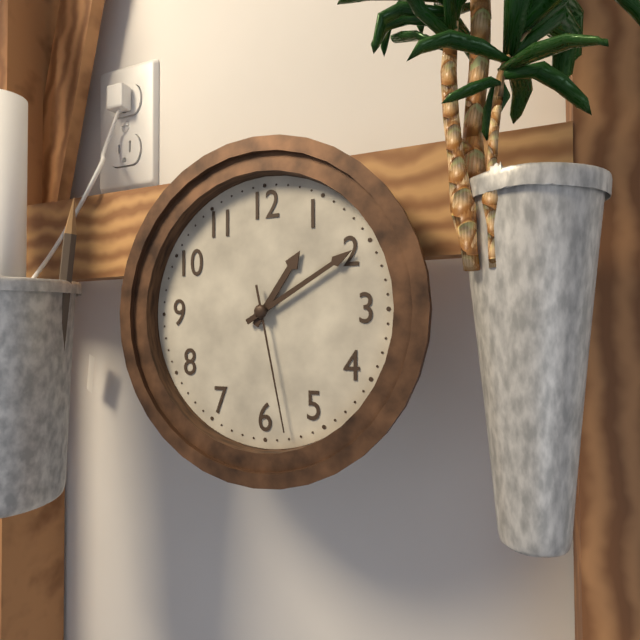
1:10:28
